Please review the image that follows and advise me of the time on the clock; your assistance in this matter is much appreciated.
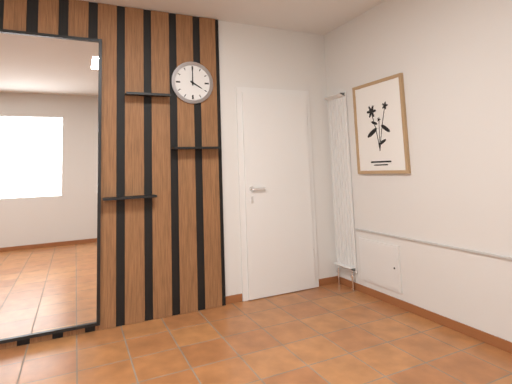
4:00
